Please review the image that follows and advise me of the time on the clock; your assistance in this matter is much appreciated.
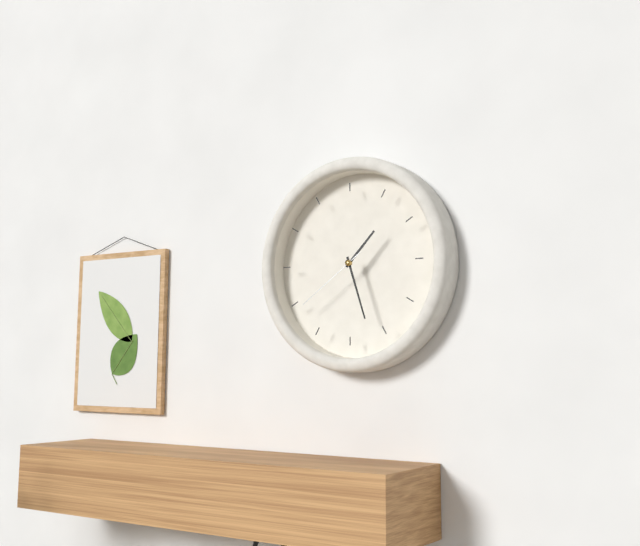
1:27:39
